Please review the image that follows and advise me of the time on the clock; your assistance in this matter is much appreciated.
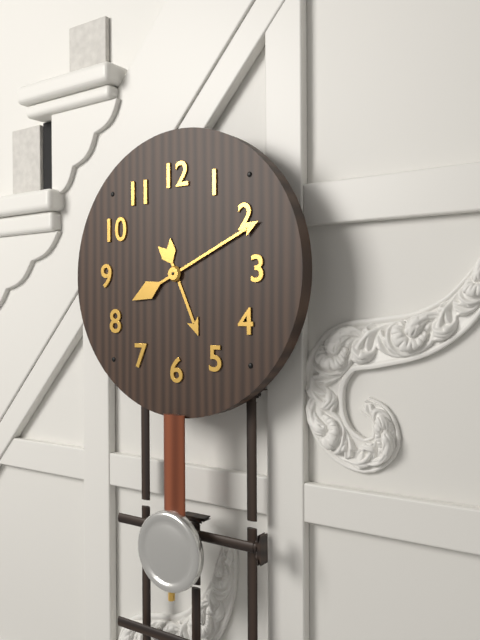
5:11
